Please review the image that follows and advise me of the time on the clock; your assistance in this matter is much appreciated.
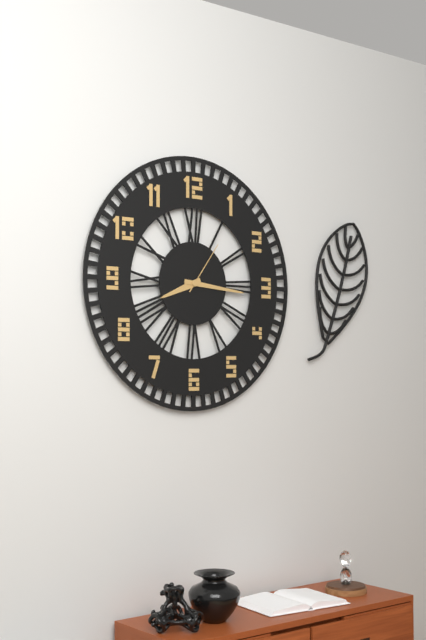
8:16:06
